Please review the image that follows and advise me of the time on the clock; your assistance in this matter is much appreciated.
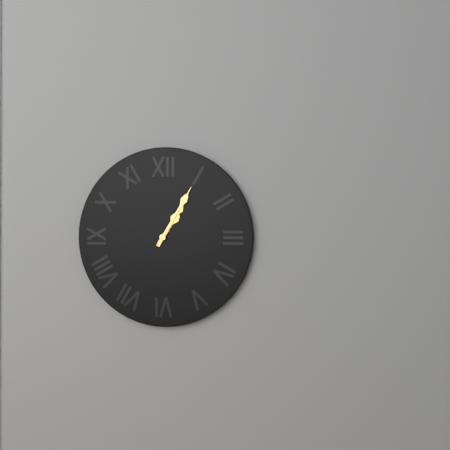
1:05
